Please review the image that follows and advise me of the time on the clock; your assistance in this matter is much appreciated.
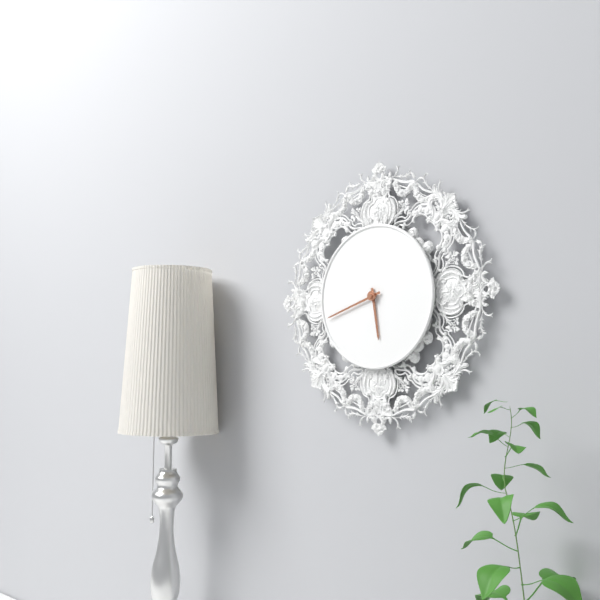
5:42
